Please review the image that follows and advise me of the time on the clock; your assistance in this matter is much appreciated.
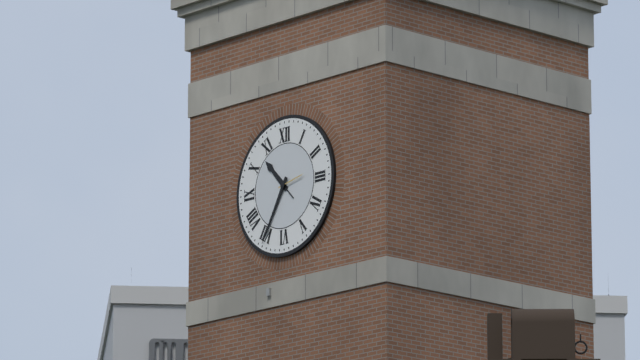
10:35
